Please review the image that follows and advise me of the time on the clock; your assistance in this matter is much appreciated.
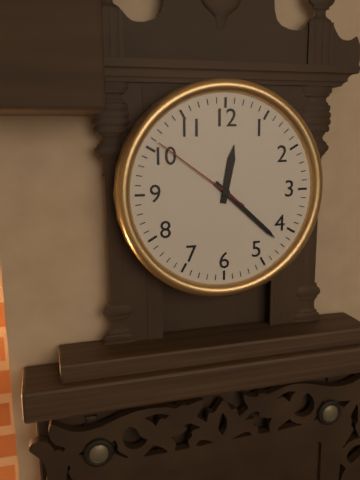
12:22:51
